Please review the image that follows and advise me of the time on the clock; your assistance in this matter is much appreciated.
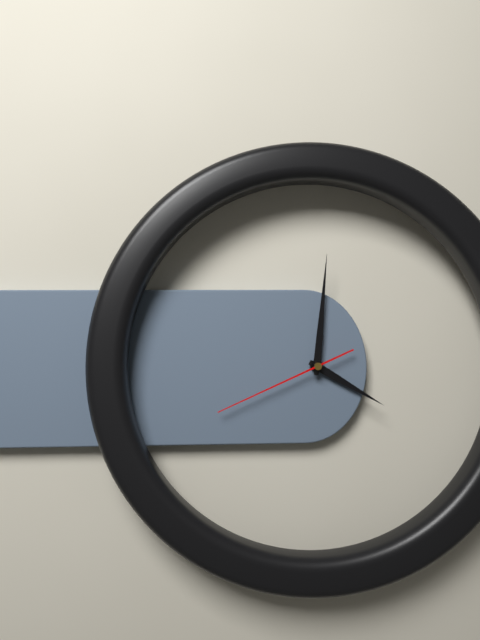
4:01:41
